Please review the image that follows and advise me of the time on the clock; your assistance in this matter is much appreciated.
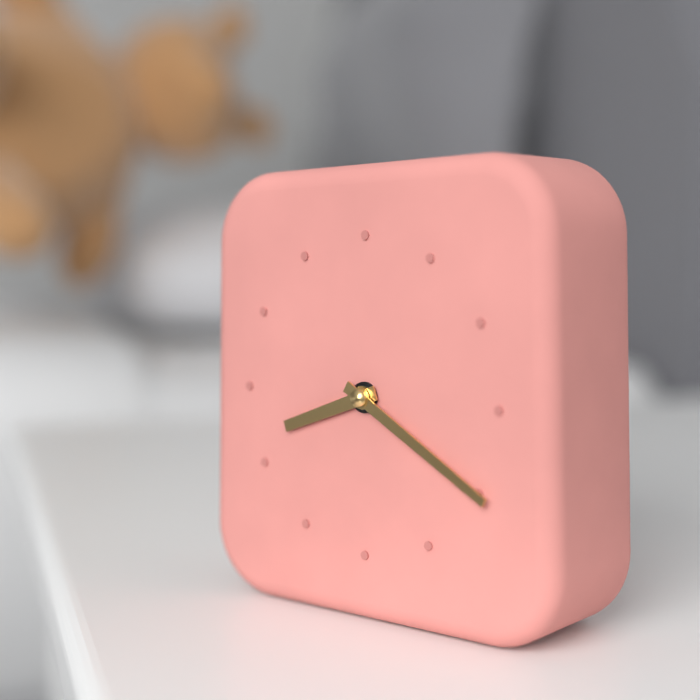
8:20
